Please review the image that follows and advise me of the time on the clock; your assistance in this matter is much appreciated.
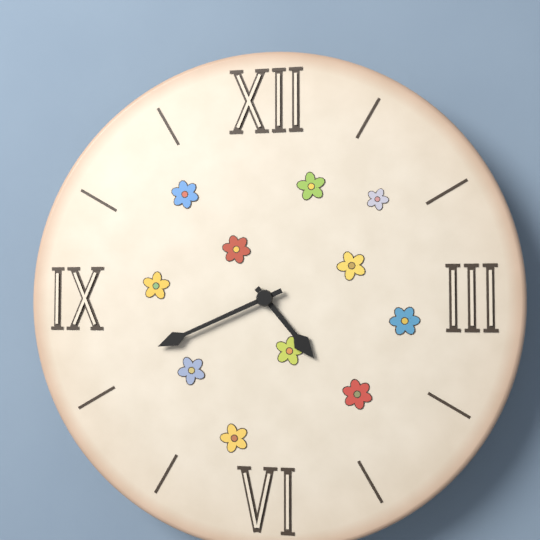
4:41
